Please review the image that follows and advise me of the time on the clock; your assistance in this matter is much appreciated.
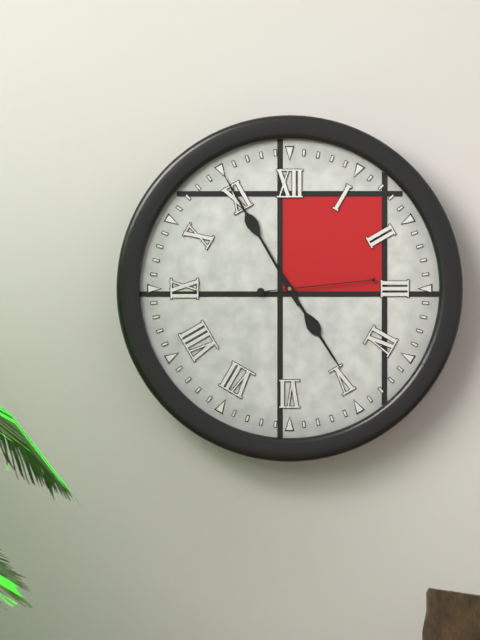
4:55:14
